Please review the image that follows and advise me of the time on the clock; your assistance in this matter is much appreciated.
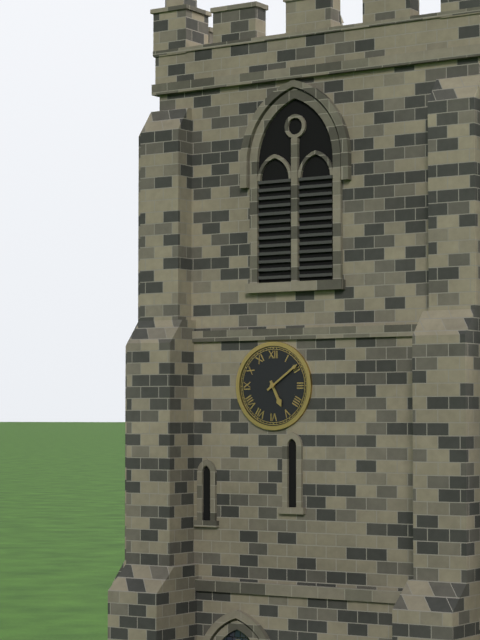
5:09
